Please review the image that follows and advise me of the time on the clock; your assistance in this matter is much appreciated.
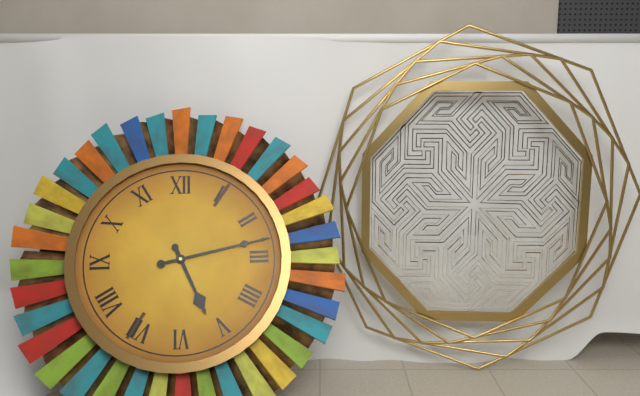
5:13
